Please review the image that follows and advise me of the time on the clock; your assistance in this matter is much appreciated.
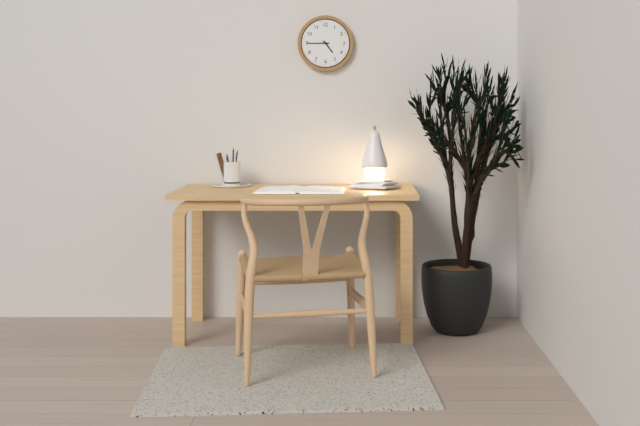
4:45
